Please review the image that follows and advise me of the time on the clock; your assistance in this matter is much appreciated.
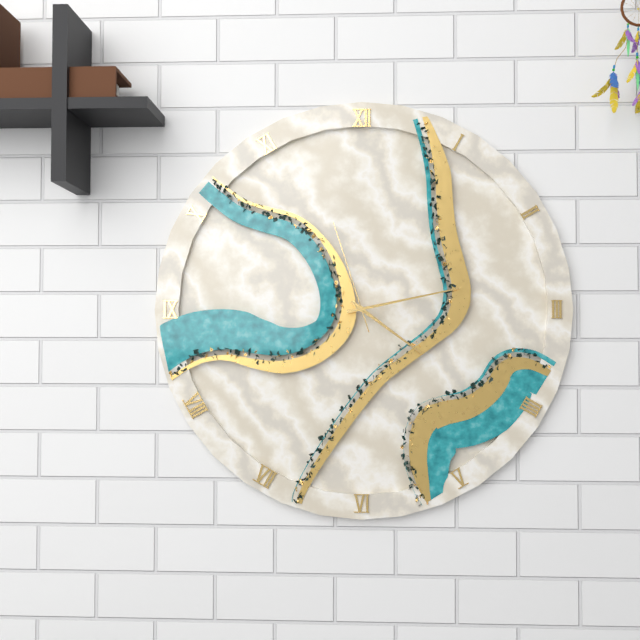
4:13:57
